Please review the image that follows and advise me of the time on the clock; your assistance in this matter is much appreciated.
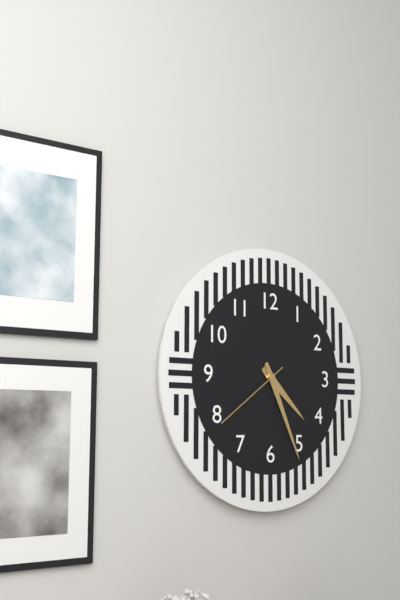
4:26:39
